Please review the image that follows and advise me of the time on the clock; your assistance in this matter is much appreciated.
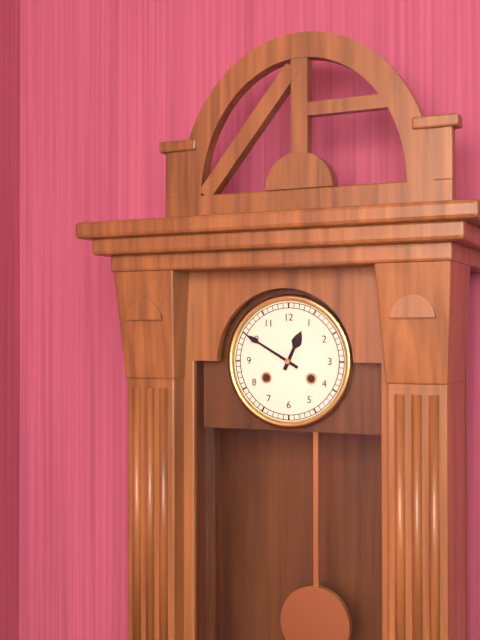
12:50
